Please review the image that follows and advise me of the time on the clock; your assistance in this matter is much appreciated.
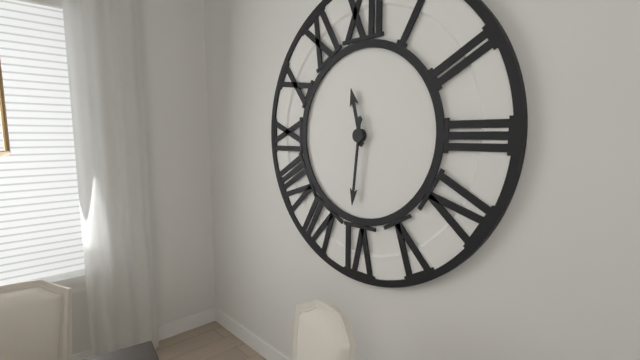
11:31
